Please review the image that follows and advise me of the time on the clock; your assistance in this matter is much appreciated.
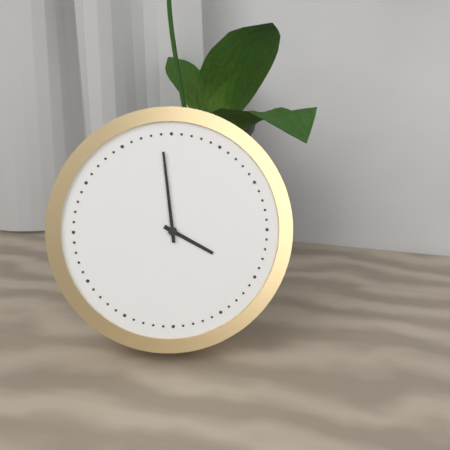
3:59
